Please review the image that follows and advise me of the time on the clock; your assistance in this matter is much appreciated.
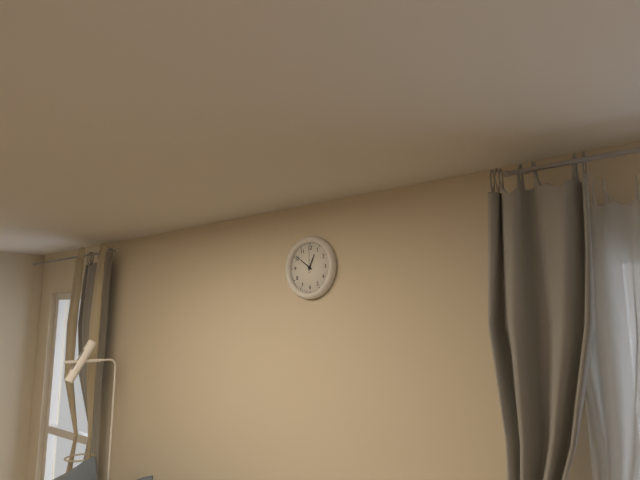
12:51
